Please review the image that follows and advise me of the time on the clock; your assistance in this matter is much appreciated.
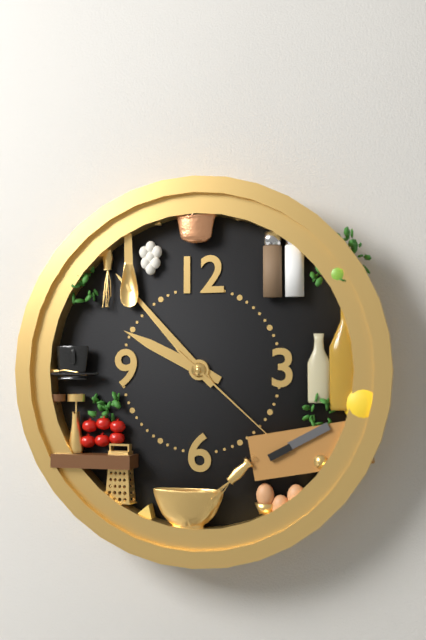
9:53:22
